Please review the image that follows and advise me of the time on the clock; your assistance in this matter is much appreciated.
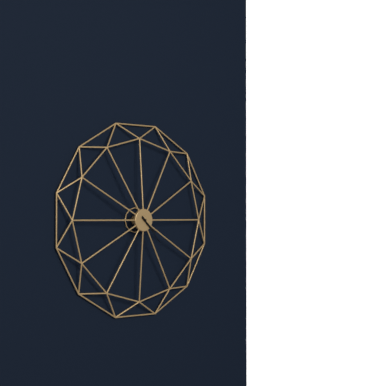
4:23
